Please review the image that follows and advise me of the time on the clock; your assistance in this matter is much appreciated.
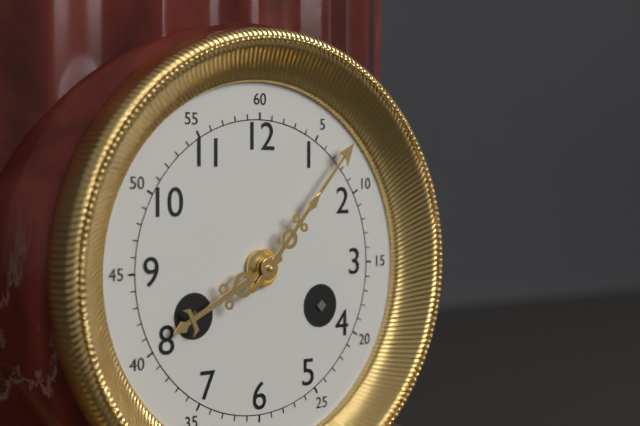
8:07
